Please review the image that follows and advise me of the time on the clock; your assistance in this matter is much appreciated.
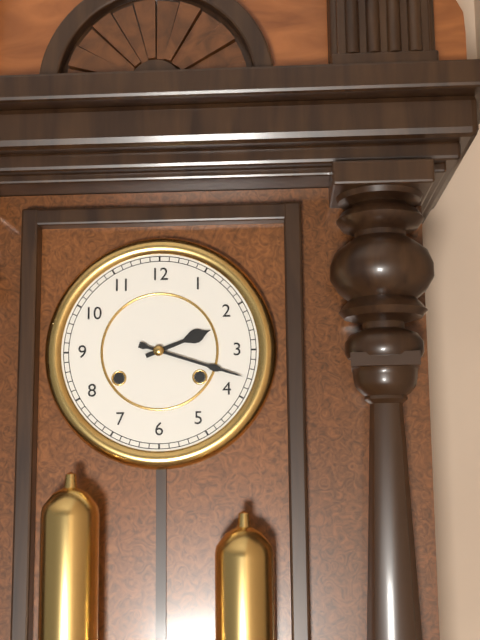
2:18
